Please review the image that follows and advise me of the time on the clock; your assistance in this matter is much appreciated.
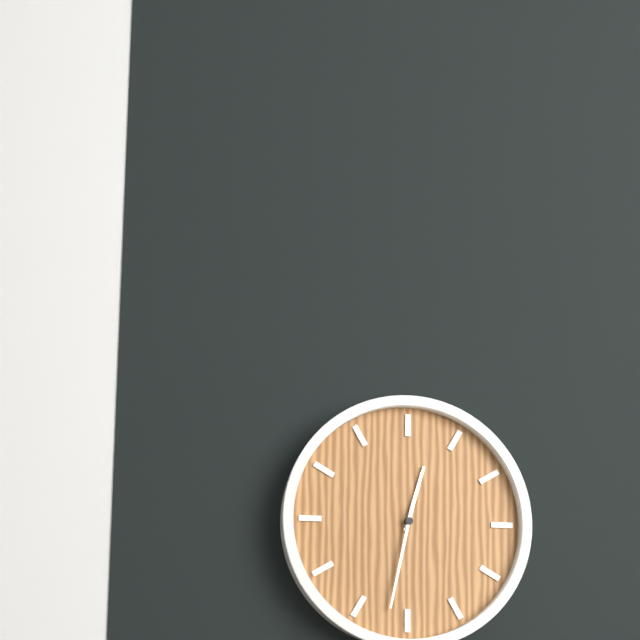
12:32
